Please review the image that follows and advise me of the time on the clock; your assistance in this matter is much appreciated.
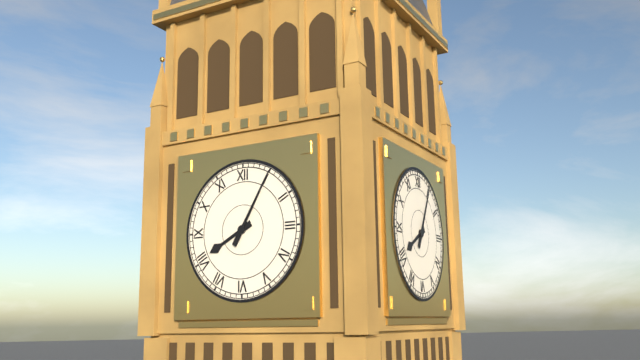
8:05
